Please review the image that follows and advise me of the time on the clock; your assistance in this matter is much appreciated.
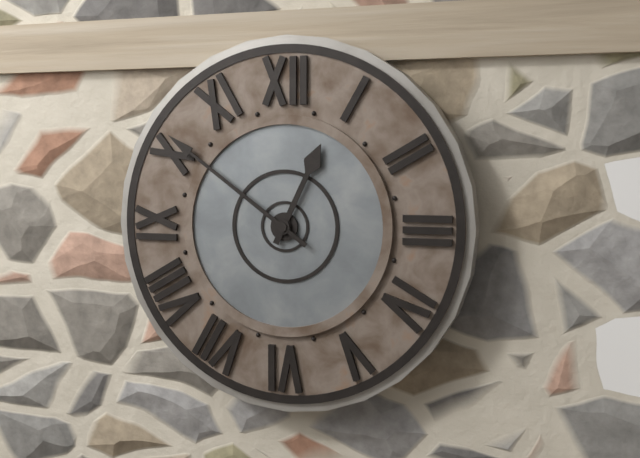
12:51
